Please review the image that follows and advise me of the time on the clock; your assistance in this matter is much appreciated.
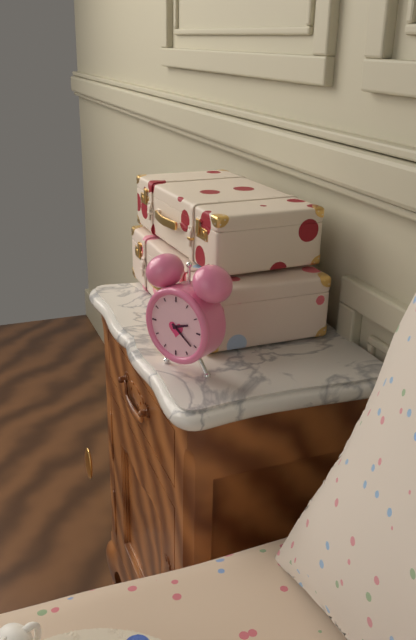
2:21
